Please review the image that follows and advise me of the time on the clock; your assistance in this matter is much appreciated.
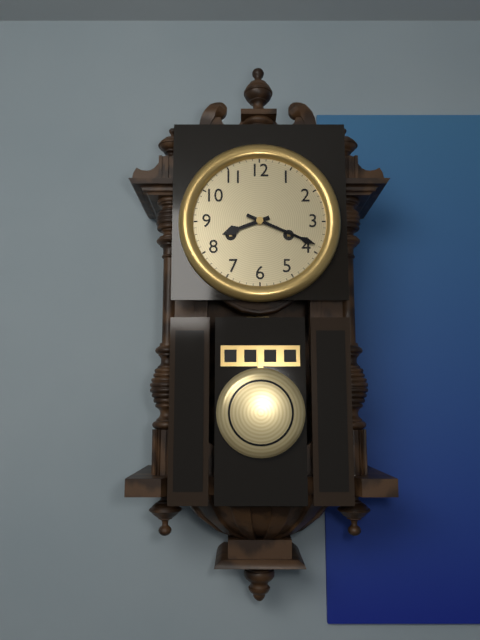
8:19
